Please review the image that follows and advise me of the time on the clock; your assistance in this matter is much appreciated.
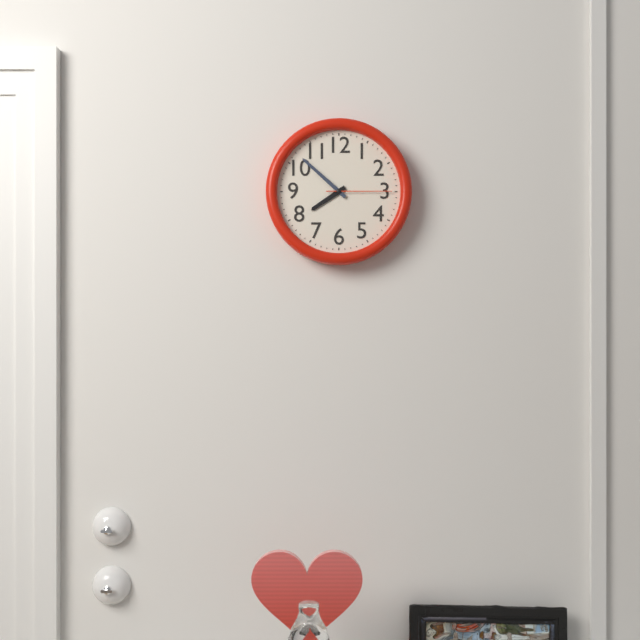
7:52:15
